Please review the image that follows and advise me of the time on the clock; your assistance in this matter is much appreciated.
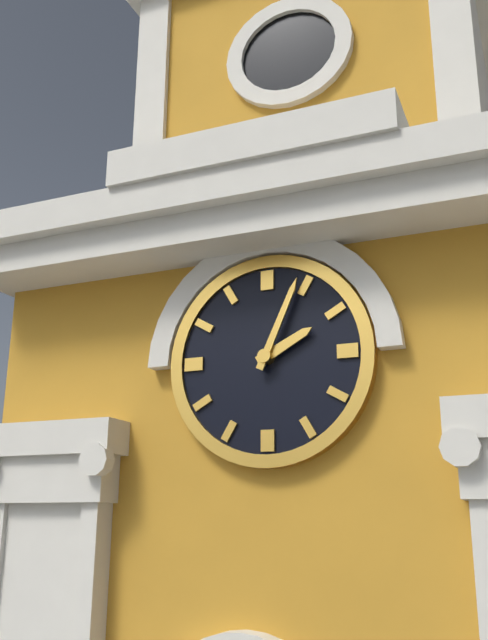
2:04
